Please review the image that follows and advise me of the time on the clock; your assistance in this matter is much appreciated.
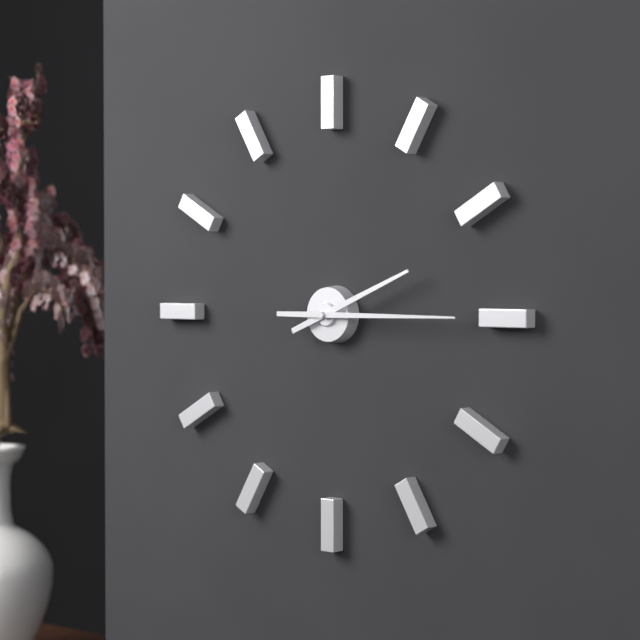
2:15
